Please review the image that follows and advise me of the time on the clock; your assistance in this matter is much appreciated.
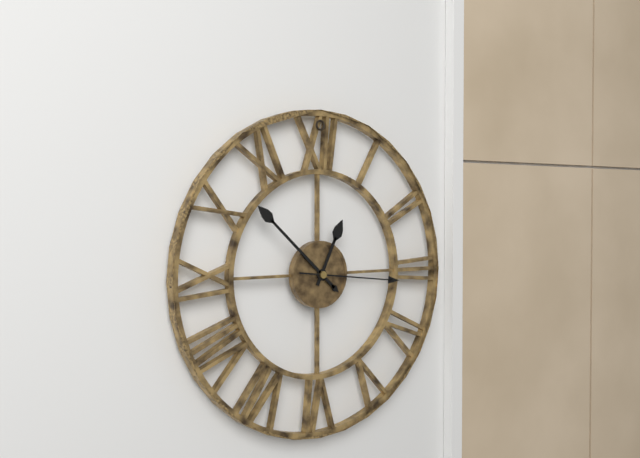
12:52:16
